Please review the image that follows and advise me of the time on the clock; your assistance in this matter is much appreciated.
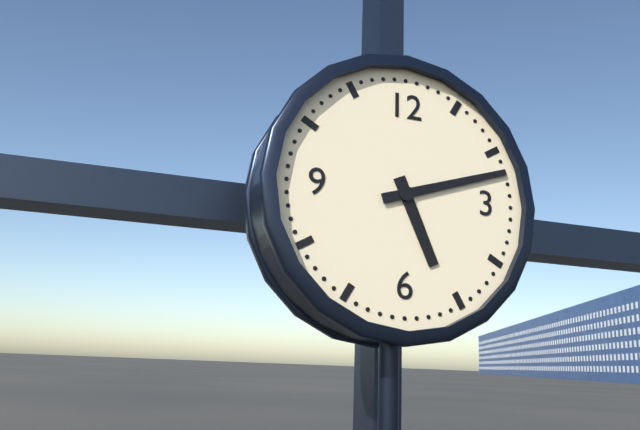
5:12
